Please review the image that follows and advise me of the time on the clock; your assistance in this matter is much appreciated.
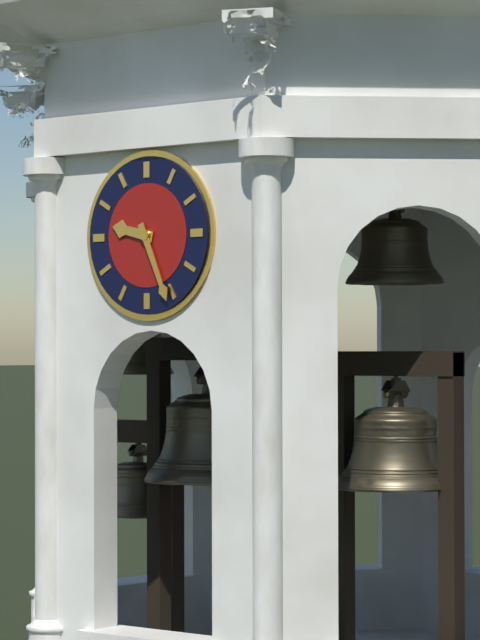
9:26
